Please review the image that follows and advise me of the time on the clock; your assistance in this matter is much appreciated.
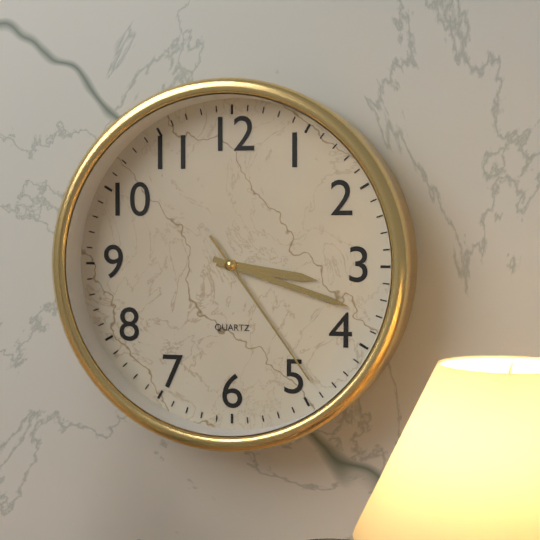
3:18:24
